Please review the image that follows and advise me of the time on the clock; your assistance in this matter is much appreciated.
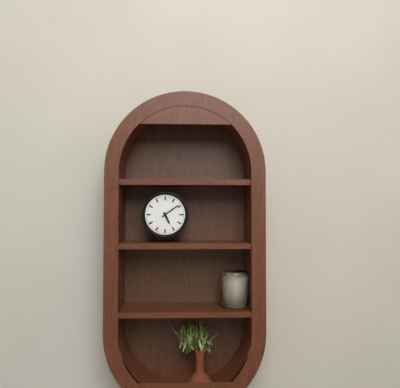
5:09
